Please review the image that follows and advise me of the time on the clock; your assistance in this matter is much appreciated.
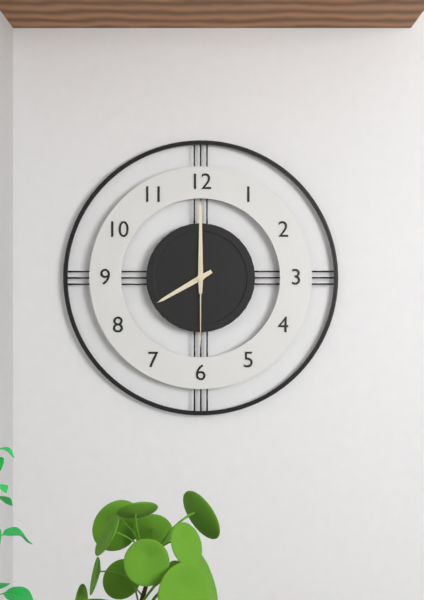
8:00:30
